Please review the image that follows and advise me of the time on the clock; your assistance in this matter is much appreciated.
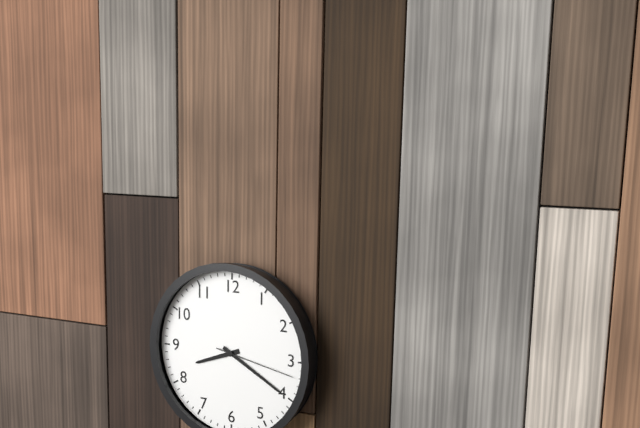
8:20:17
